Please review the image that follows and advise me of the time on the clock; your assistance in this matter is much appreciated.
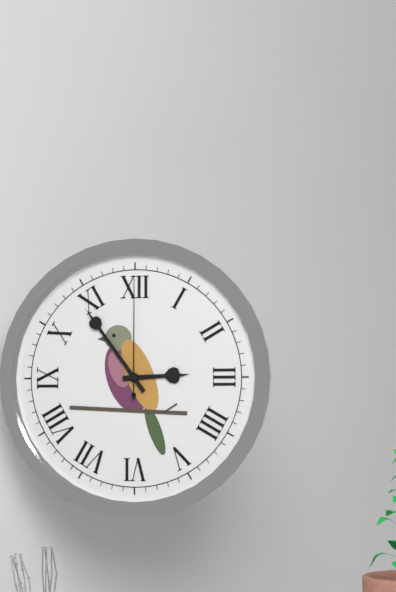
2:54:00
